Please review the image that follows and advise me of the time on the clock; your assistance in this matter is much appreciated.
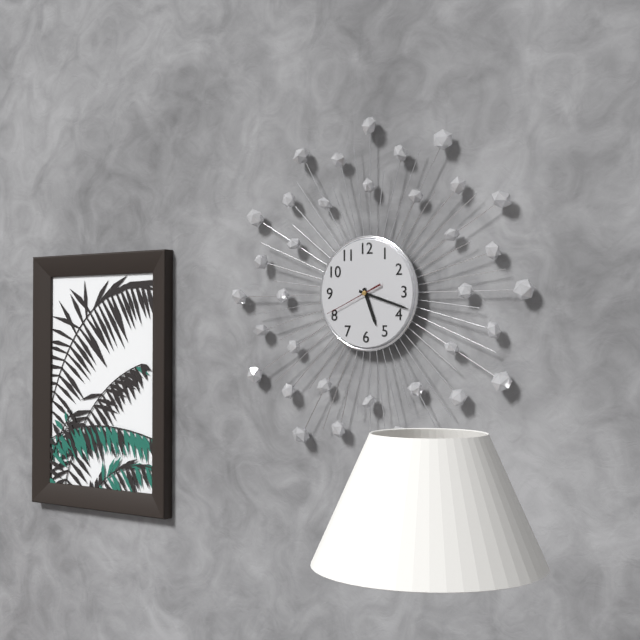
5:18:41
